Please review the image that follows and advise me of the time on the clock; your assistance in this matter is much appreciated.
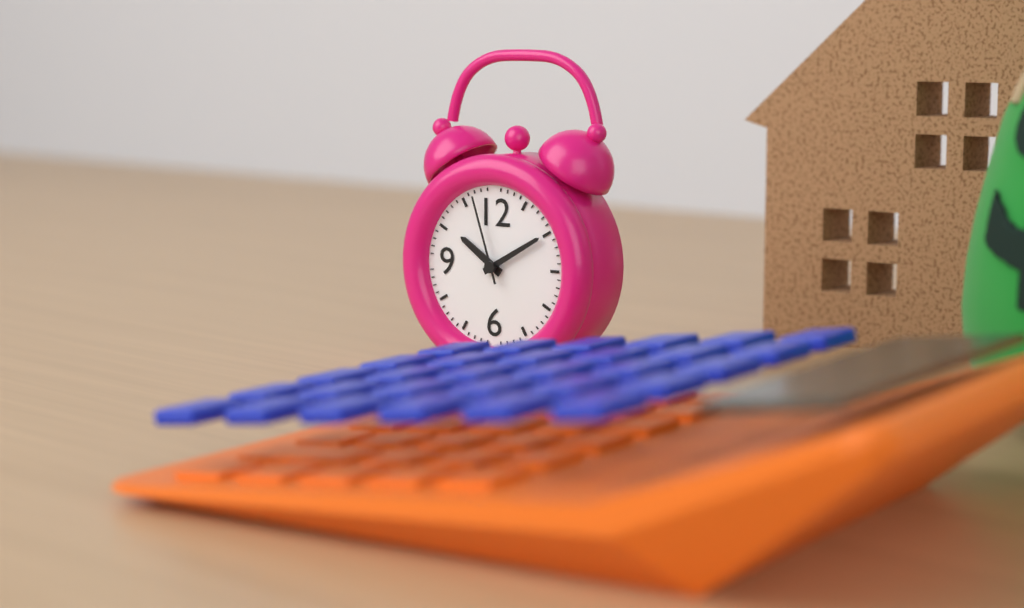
10:10:57
